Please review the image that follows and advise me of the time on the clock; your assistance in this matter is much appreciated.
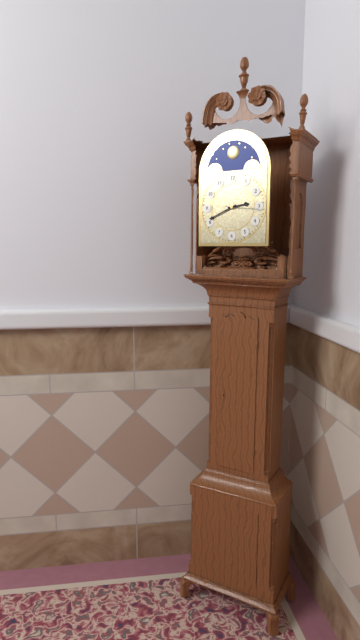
2:41
